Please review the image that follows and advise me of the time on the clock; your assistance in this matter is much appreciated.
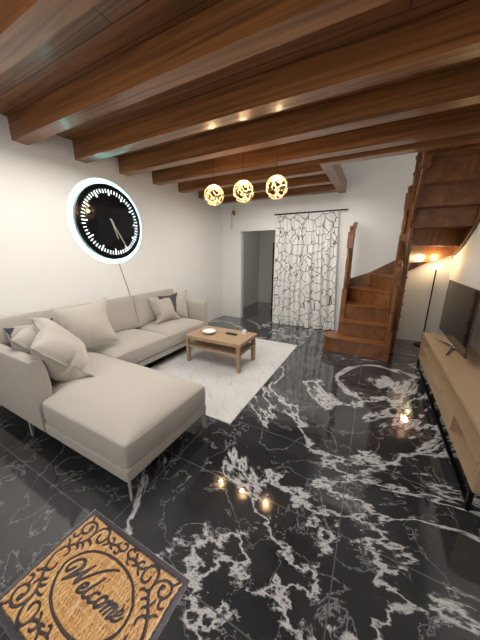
5:25
